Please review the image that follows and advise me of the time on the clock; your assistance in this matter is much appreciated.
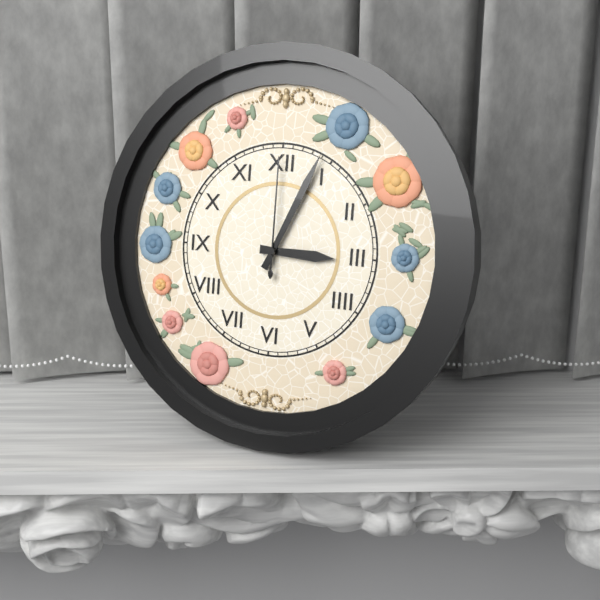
3:04:00
